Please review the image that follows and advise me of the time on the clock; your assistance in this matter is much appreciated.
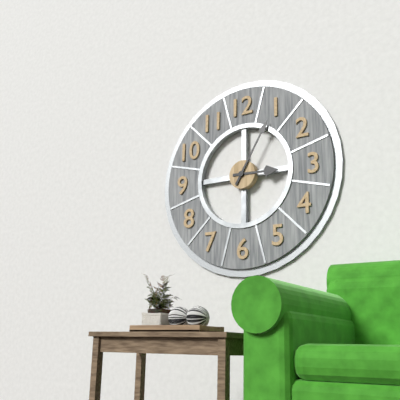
3:05
